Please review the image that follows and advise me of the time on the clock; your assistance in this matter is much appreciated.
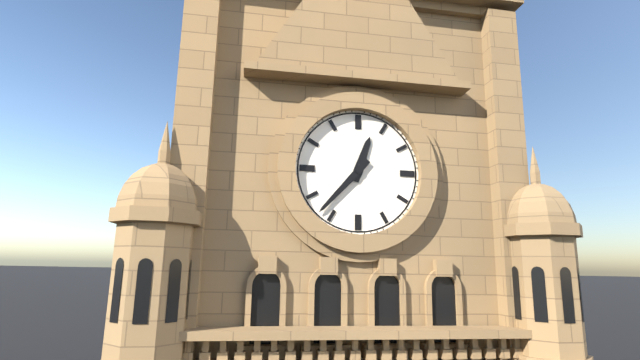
12:37
